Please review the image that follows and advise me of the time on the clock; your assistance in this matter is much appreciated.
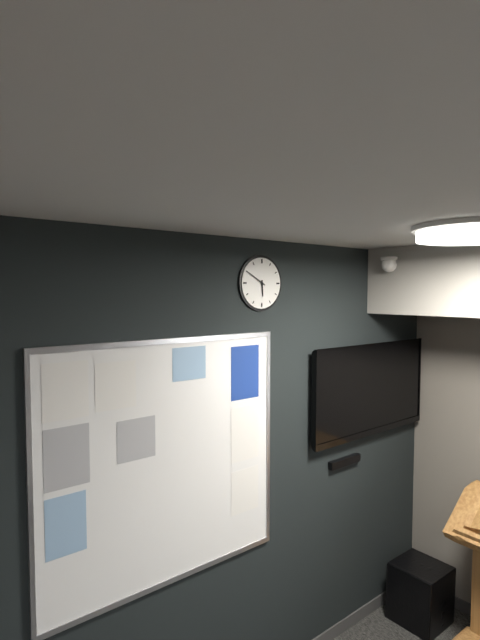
5:50
